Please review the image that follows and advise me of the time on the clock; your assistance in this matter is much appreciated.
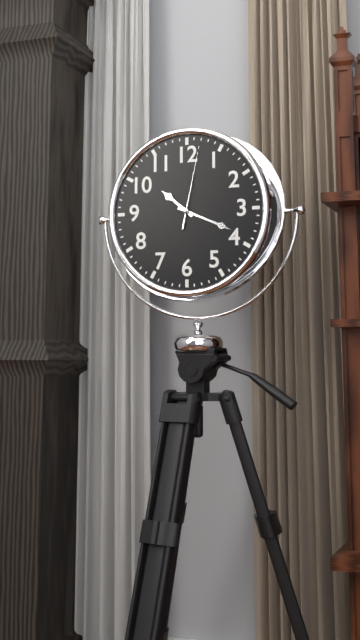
10:19:02
